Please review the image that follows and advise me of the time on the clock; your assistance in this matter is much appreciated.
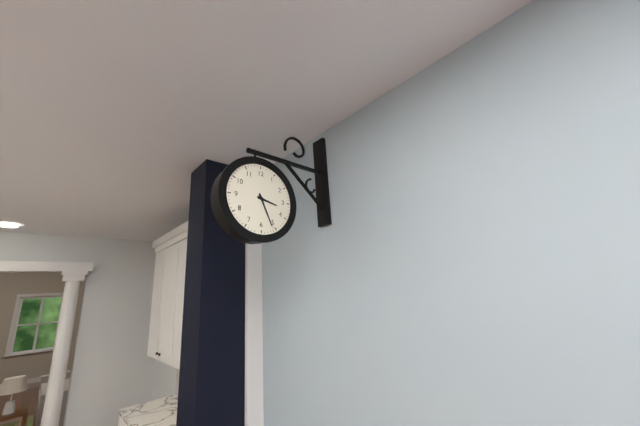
3:26
